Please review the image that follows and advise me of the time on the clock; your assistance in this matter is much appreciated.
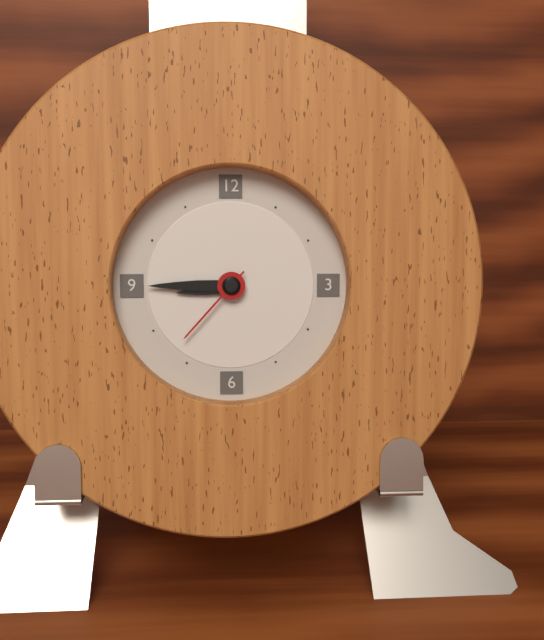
8:45:37
